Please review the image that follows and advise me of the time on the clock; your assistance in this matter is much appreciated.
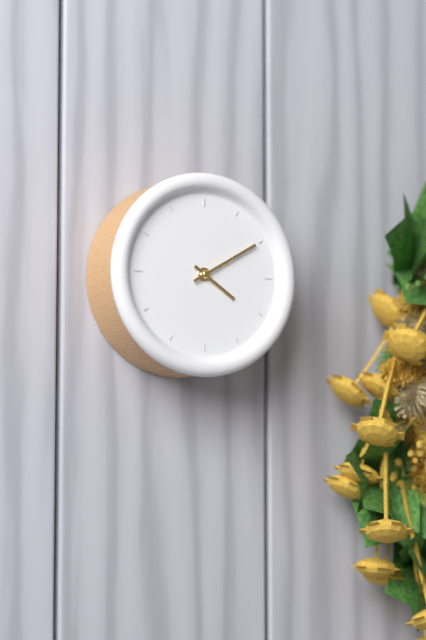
4:10
